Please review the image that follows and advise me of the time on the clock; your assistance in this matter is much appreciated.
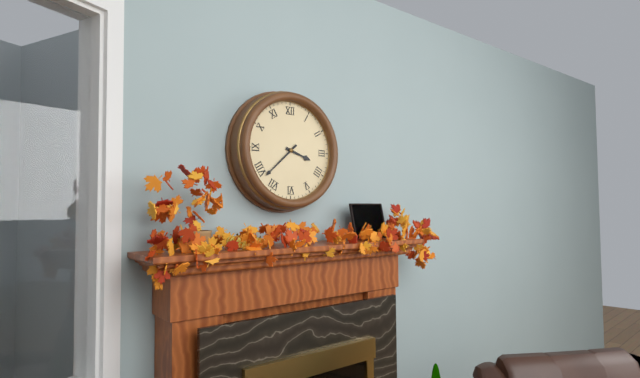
3:38
